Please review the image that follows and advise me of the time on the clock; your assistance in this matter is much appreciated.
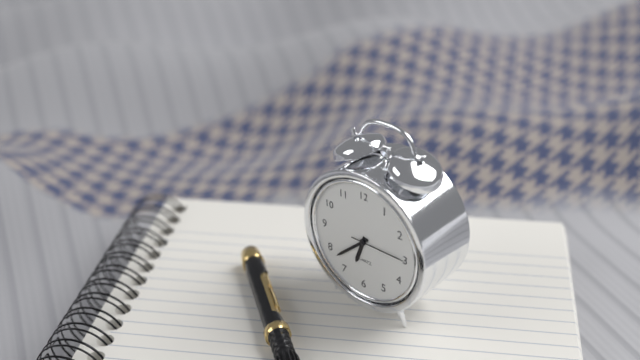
6:38:15
